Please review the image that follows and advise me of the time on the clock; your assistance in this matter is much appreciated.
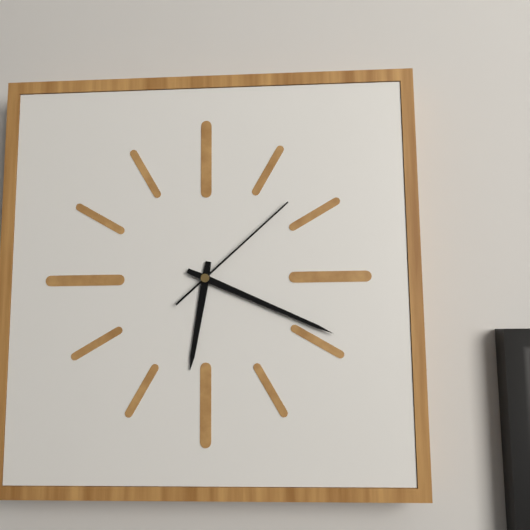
6:19:08
